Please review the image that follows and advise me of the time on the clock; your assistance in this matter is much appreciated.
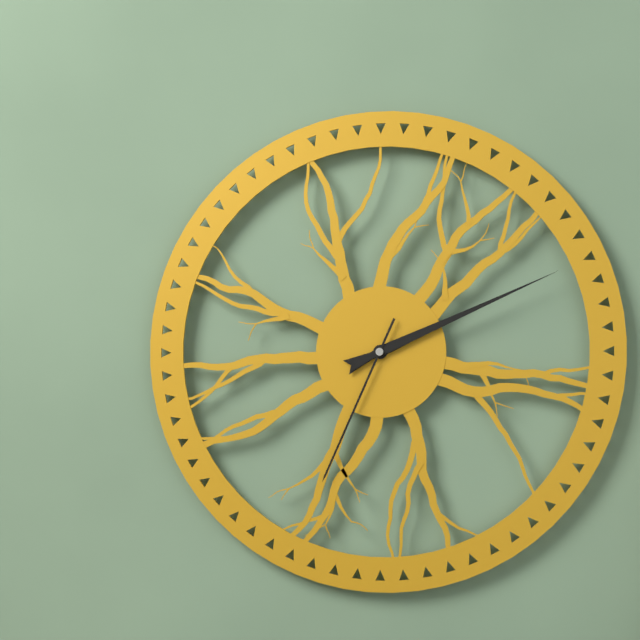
2:11:34
